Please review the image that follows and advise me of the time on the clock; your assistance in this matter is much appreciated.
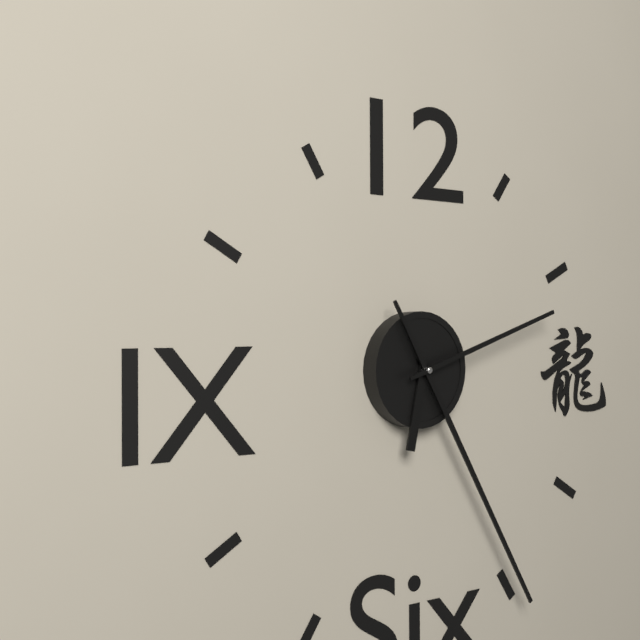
6:25:12
